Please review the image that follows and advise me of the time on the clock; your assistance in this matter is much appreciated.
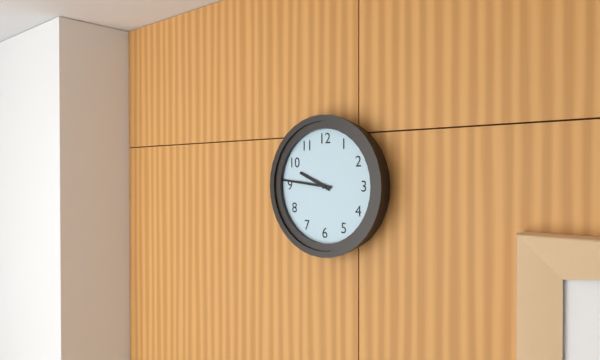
9:46
